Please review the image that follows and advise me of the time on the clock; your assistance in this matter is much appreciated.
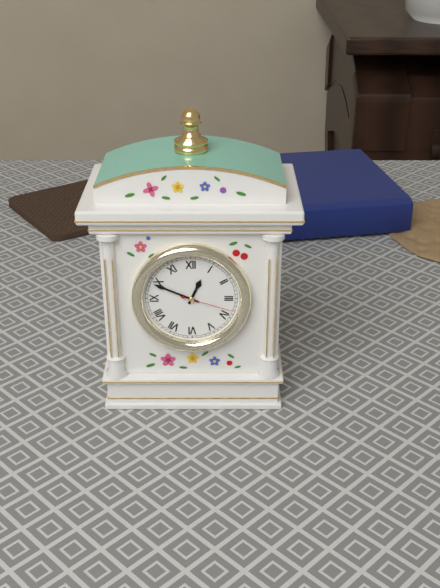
12:49:18
